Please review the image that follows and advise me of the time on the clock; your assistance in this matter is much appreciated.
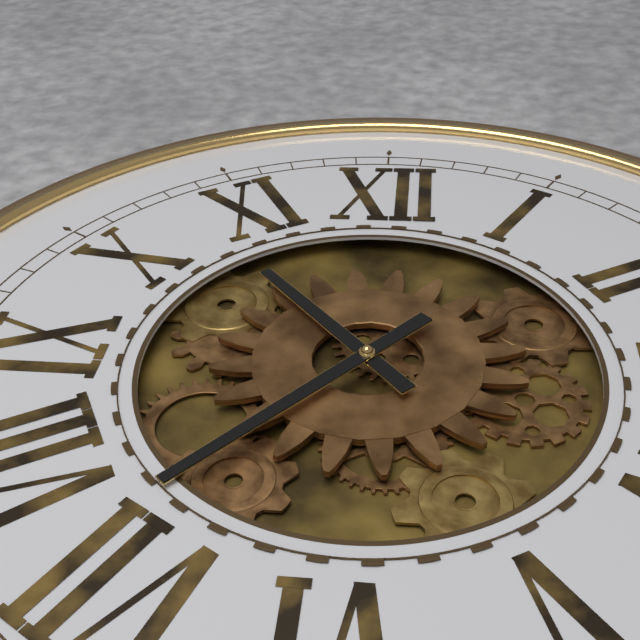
10:37
